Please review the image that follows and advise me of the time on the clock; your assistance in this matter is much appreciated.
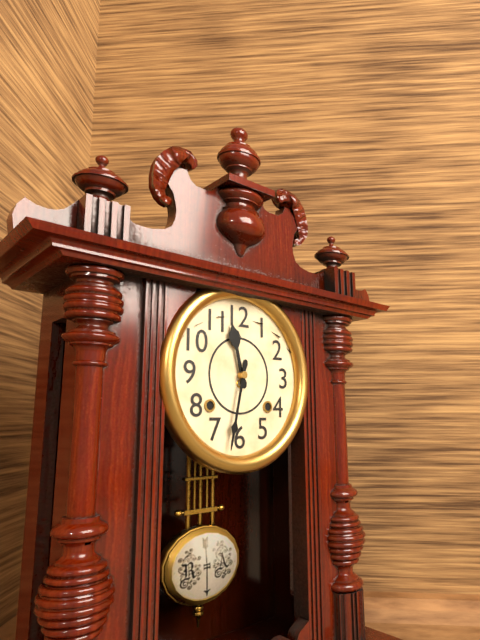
11:32
